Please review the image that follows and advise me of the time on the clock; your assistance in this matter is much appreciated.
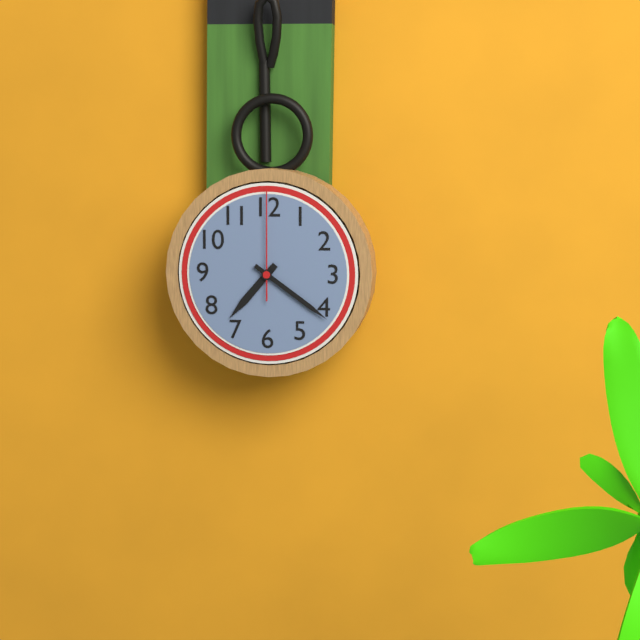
7:21:00
